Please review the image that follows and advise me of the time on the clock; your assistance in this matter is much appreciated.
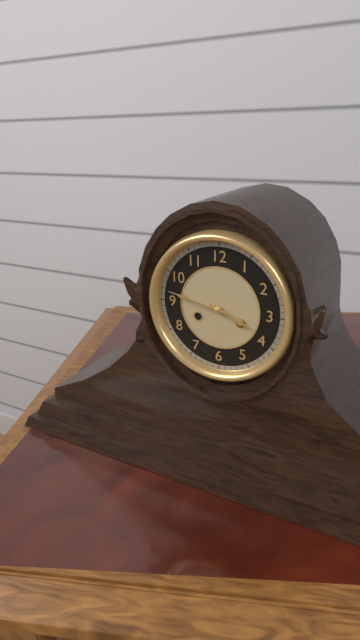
3:47
